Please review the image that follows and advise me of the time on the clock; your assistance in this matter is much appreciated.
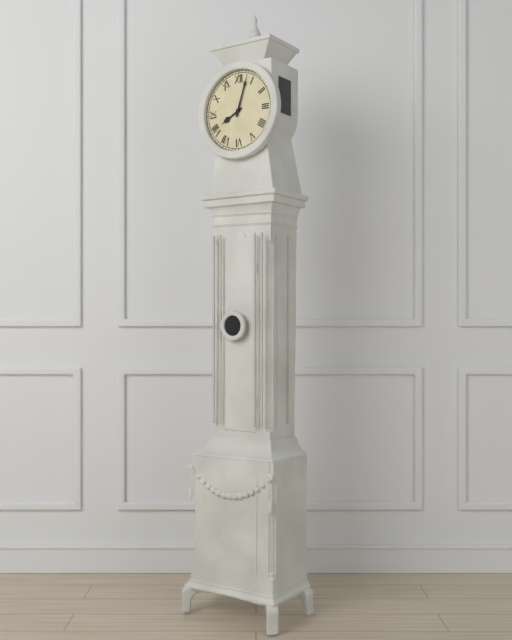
8:03
